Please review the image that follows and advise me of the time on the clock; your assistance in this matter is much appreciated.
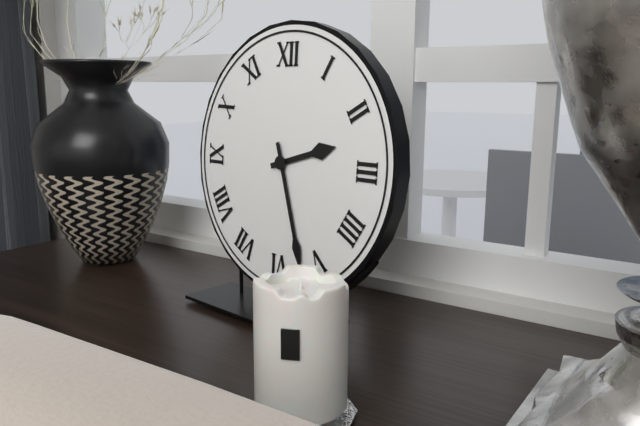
2:27
